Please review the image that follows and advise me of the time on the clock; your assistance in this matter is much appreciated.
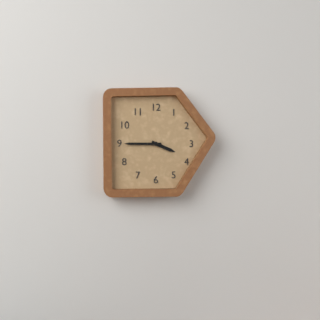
3:45
